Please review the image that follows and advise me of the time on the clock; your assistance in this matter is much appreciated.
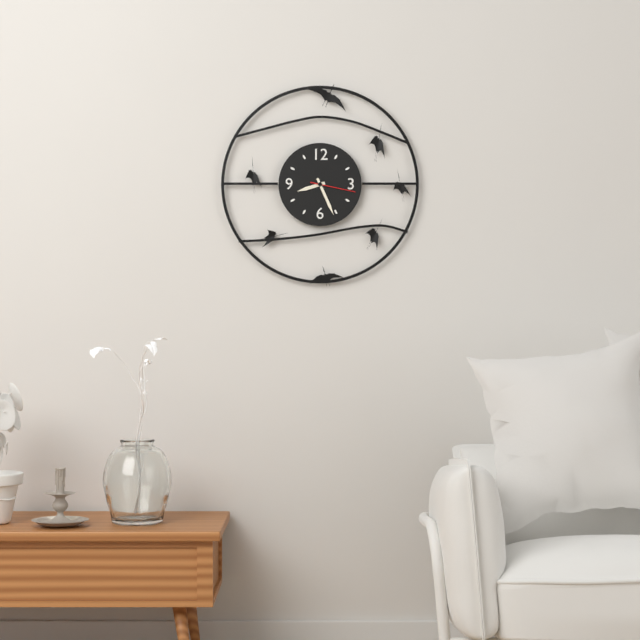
8:26
